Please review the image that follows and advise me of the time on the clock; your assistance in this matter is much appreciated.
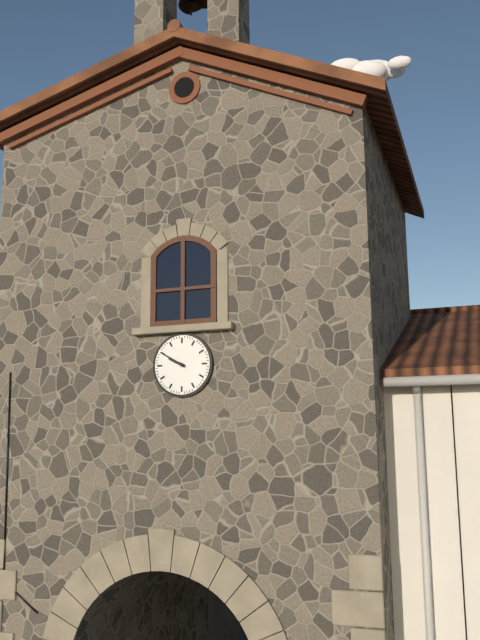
9:50
